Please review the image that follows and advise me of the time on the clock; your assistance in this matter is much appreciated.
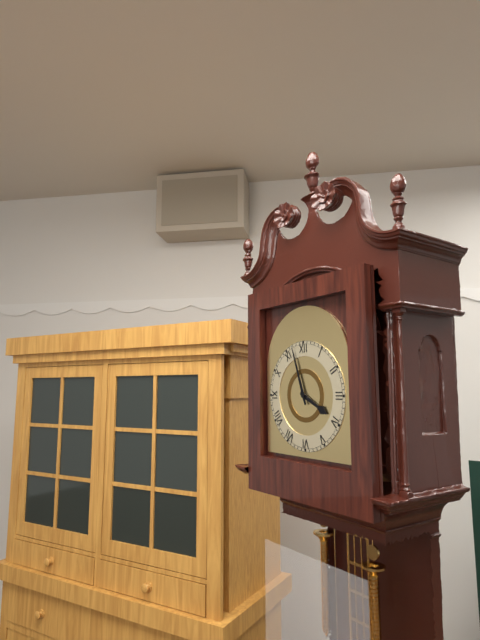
3:57
